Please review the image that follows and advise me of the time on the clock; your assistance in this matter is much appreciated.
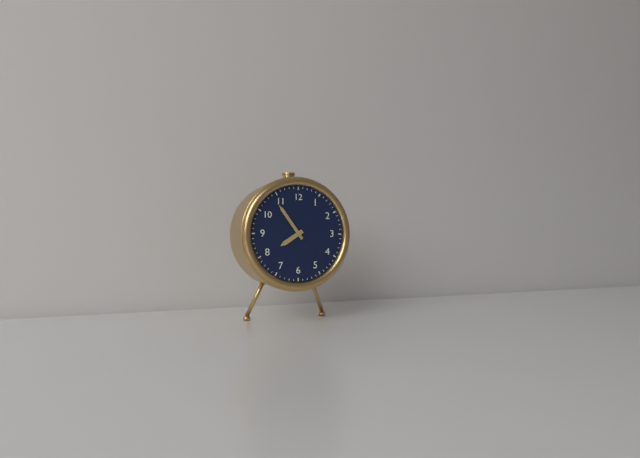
7:54
